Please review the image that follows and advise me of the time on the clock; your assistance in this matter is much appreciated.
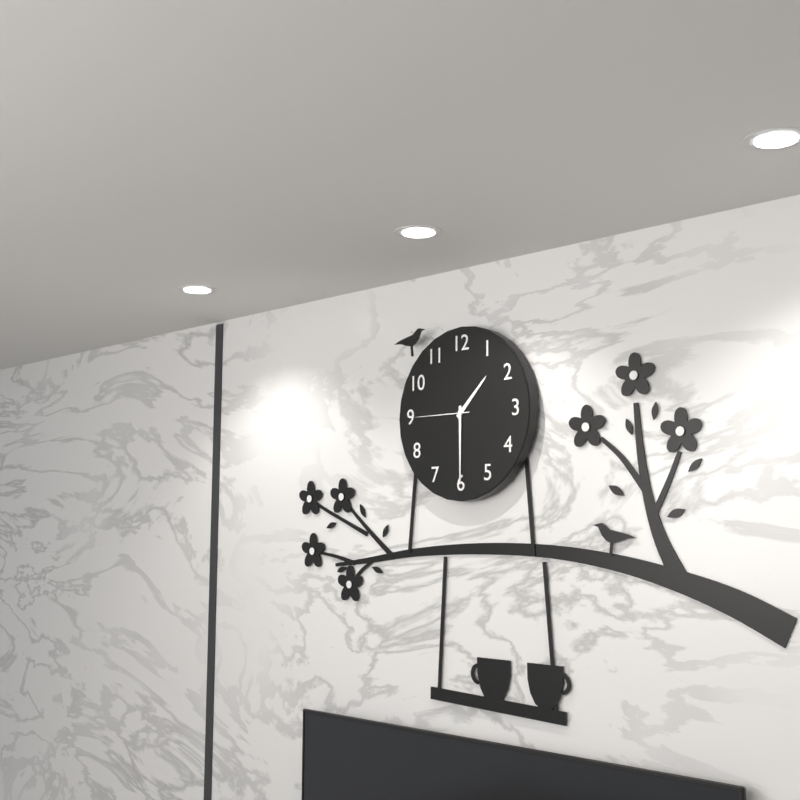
1:30:45
